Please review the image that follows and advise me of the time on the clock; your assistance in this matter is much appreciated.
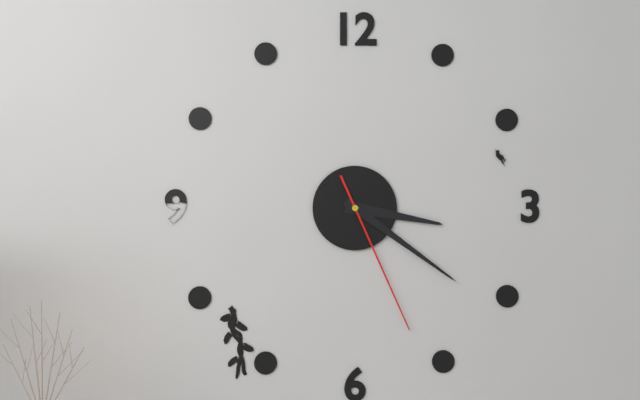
3:21:26
